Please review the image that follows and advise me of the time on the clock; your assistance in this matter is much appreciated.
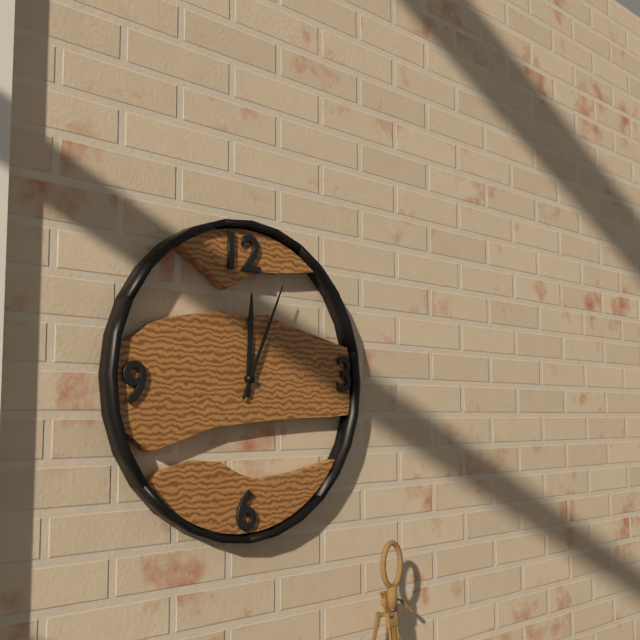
12:04
